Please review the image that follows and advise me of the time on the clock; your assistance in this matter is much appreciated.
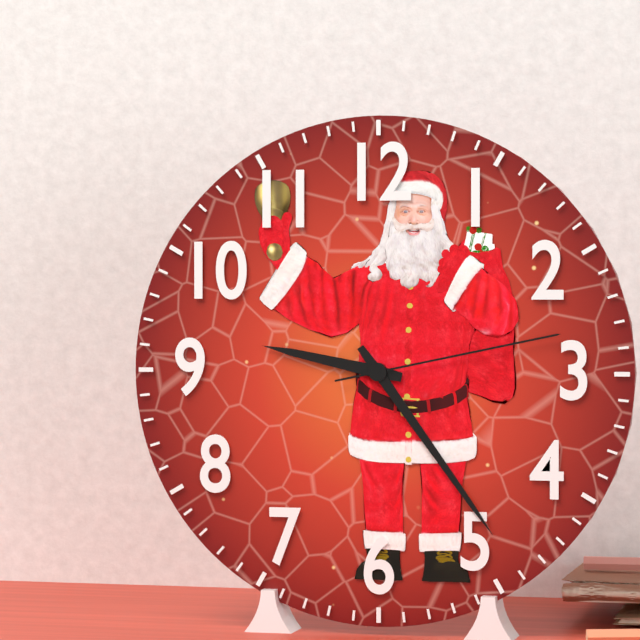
9:24:13
